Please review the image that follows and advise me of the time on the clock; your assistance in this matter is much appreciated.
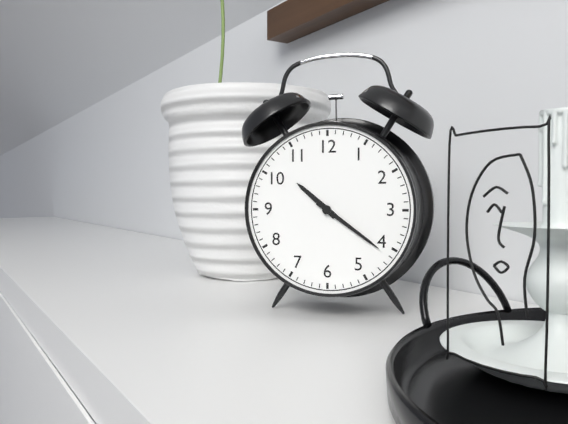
10:21
